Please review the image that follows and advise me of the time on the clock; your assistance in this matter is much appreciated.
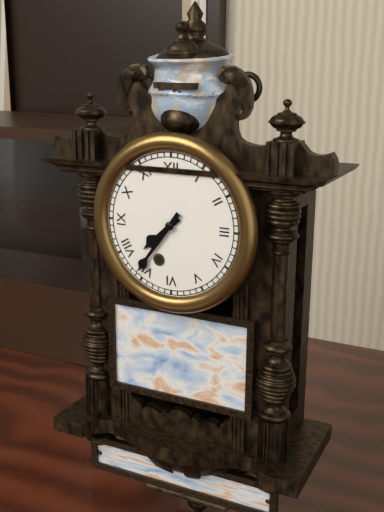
7:36
